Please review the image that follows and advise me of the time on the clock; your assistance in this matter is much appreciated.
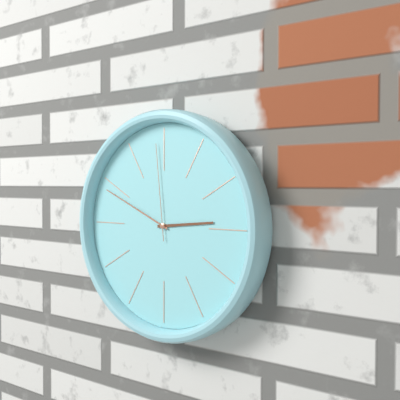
2:49:59
